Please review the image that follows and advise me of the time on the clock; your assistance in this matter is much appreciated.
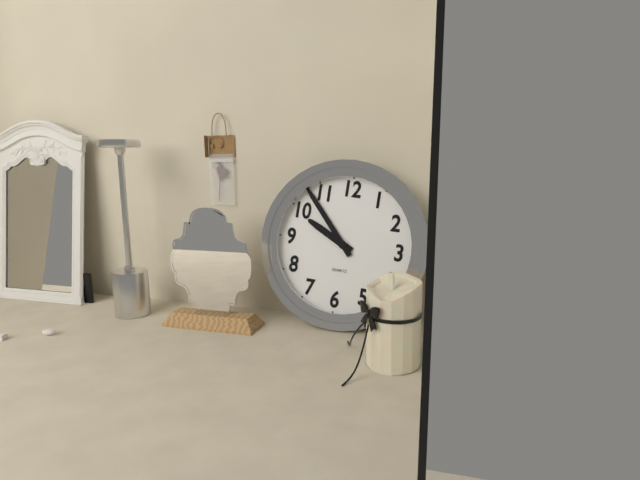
9:53
